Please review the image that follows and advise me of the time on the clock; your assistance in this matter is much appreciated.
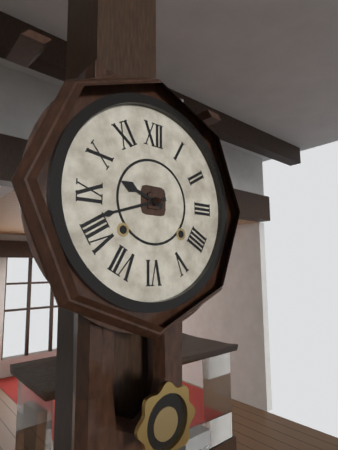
9:42
